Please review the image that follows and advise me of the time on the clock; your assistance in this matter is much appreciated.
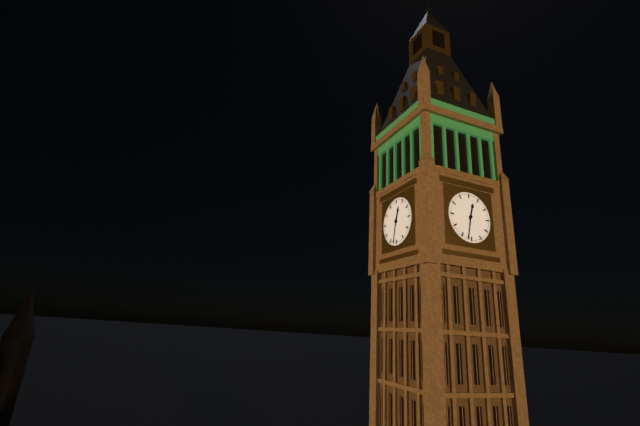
12:32
